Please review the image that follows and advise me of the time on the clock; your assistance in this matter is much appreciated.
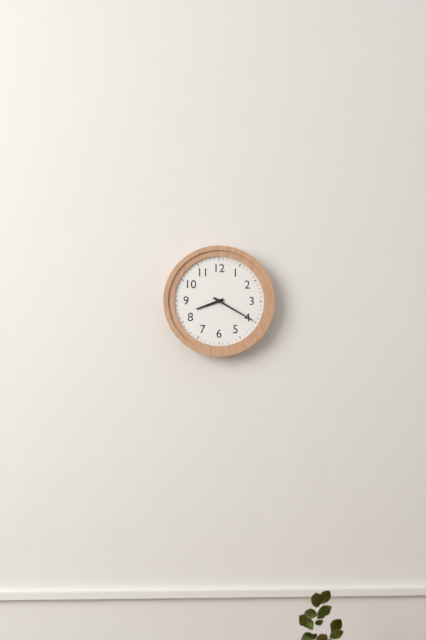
8:20
